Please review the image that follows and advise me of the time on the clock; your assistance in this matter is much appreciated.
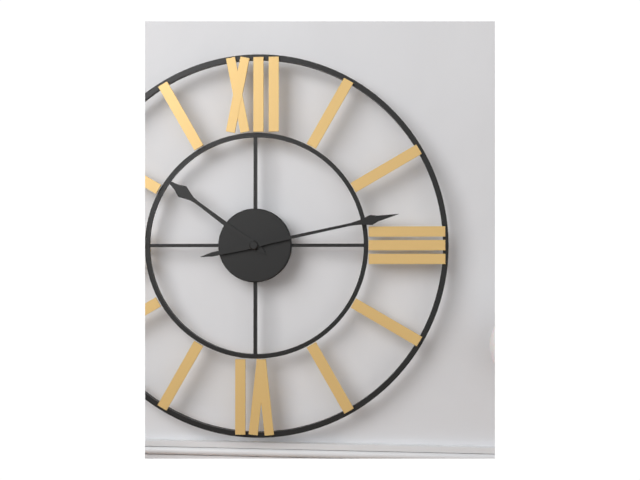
10:13
